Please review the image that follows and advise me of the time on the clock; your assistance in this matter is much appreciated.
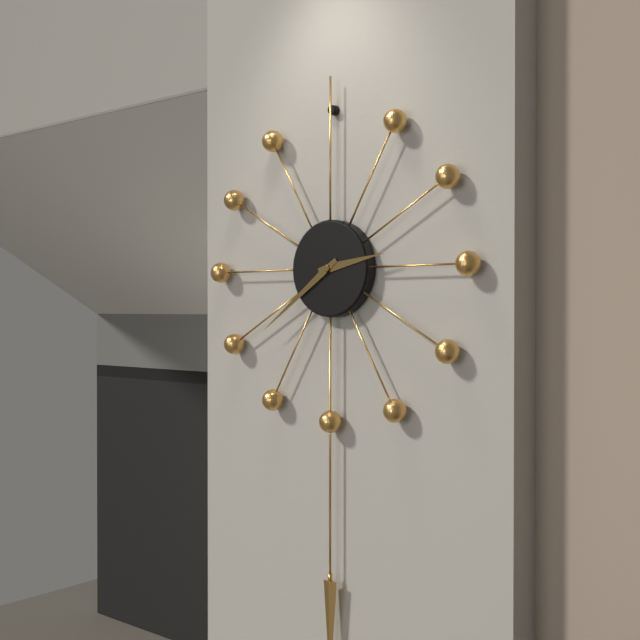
2:39
